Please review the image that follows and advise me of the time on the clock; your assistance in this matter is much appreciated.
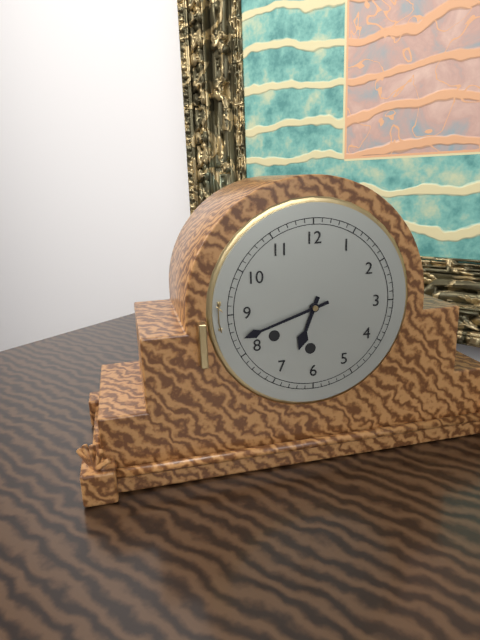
6:42
